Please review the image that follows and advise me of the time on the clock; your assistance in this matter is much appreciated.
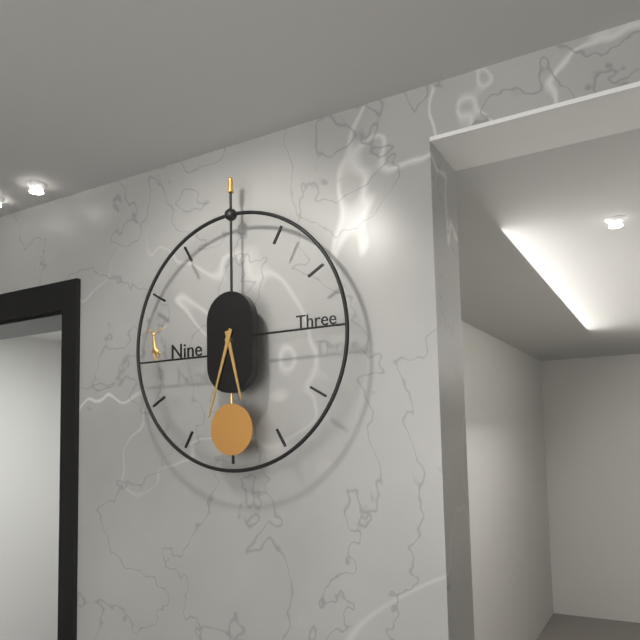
5:33
